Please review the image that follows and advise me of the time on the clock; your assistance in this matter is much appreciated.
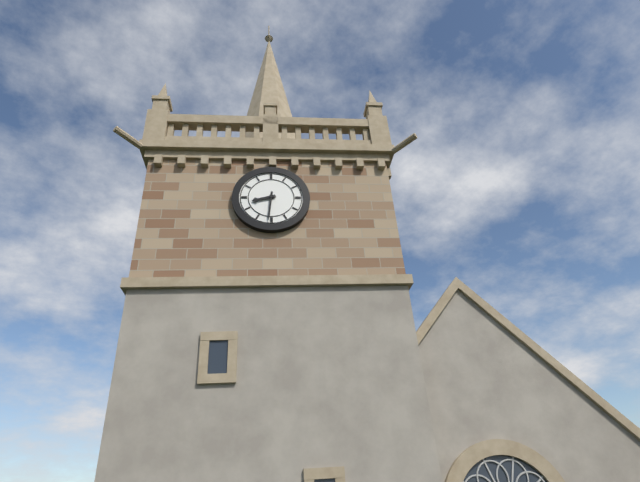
8:31
